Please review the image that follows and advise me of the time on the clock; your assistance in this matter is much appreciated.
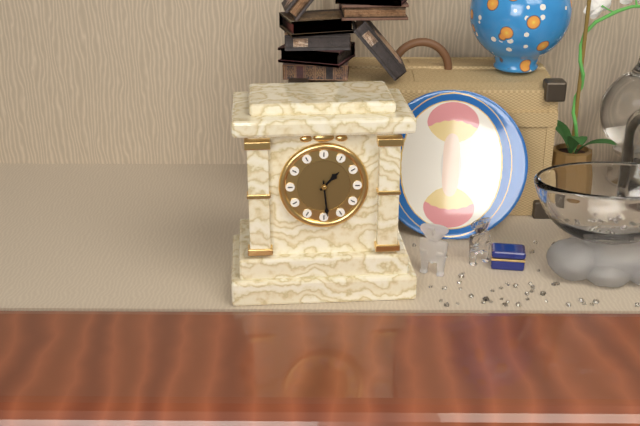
1:29
